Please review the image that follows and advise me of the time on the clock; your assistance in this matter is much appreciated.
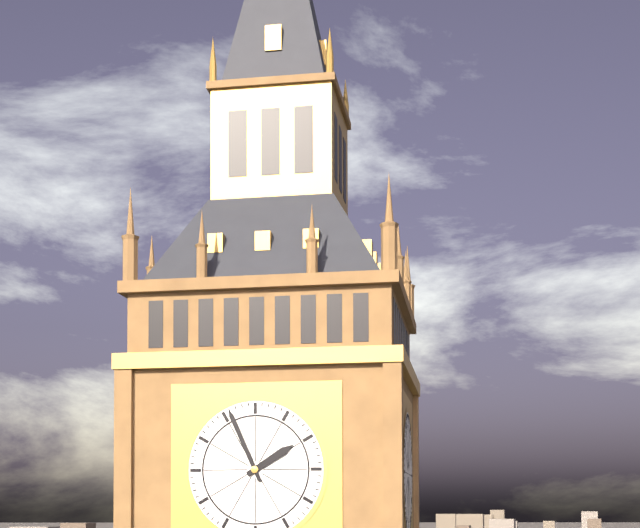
1:56
